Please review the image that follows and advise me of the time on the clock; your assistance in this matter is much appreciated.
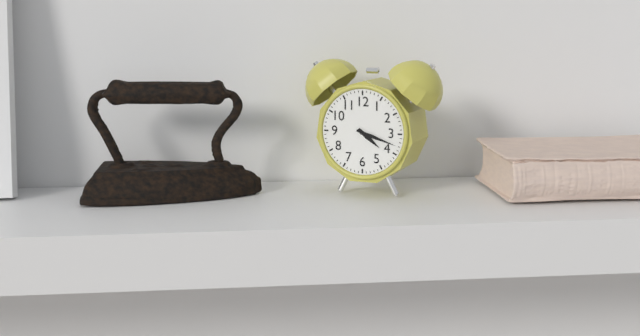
4:18
